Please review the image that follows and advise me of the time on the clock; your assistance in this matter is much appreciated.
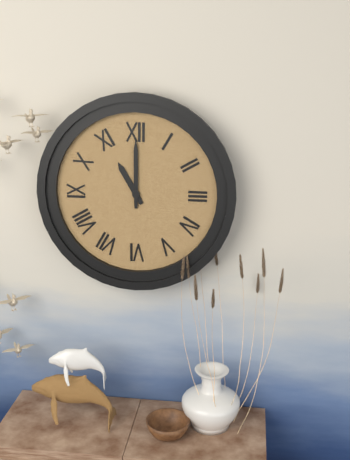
11:00
